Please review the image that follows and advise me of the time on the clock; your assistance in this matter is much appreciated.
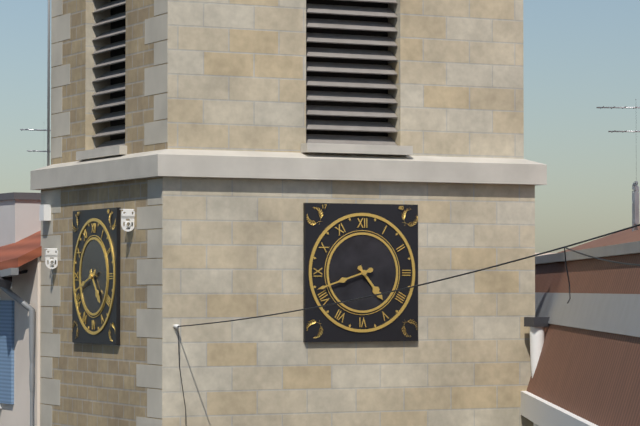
4:42
